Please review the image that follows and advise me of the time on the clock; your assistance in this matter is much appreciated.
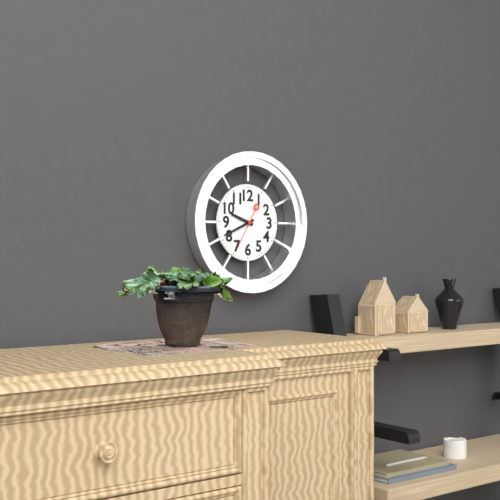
9:41
